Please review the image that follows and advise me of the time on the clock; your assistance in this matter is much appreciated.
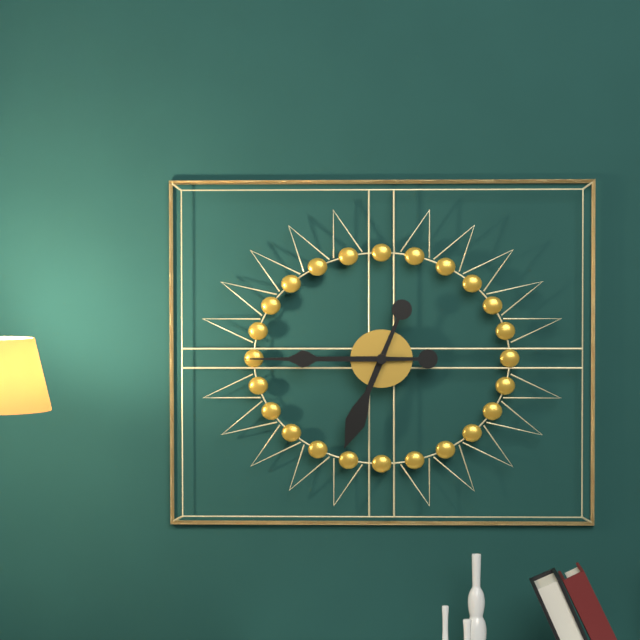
6:45
